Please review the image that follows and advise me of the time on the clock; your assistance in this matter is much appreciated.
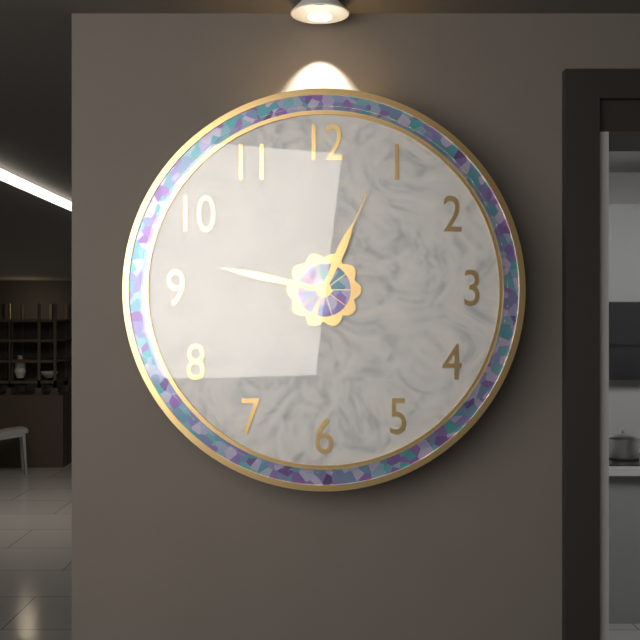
12:47:04
